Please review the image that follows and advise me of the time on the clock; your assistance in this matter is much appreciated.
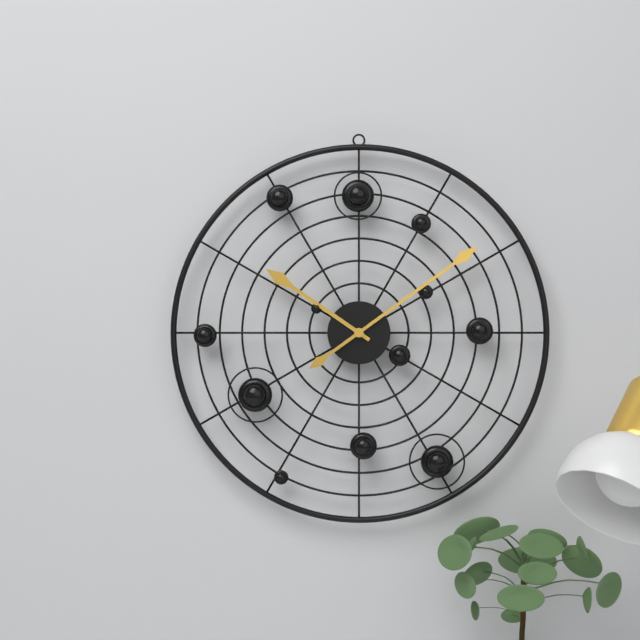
10:09
